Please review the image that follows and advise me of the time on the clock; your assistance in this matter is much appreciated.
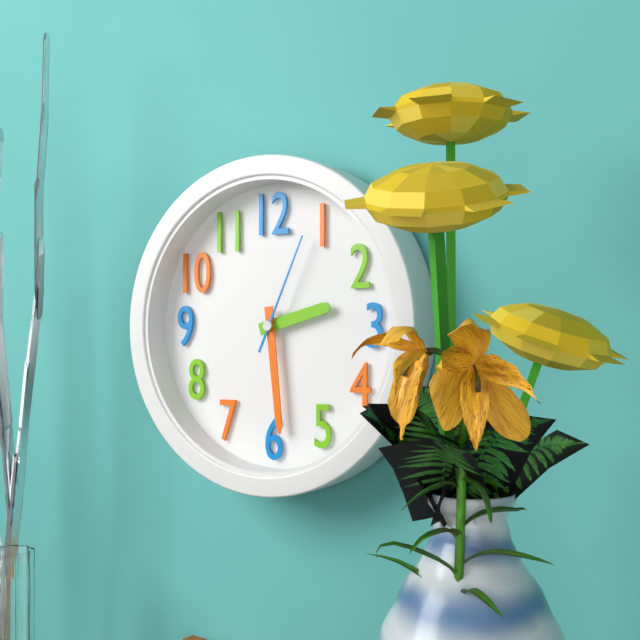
2:29:04
